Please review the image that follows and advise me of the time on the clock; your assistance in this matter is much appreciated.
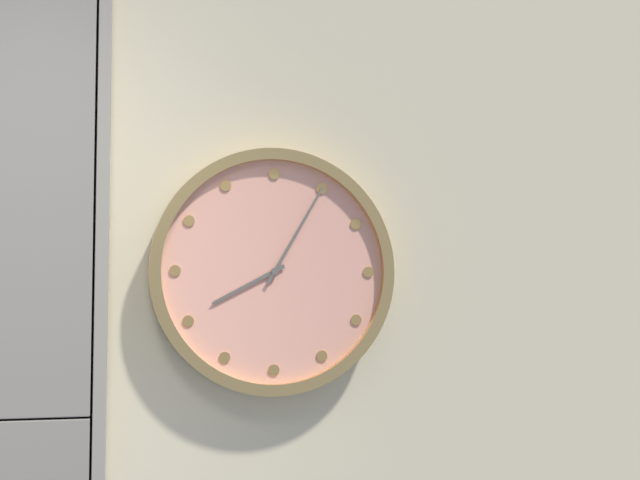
8:05
